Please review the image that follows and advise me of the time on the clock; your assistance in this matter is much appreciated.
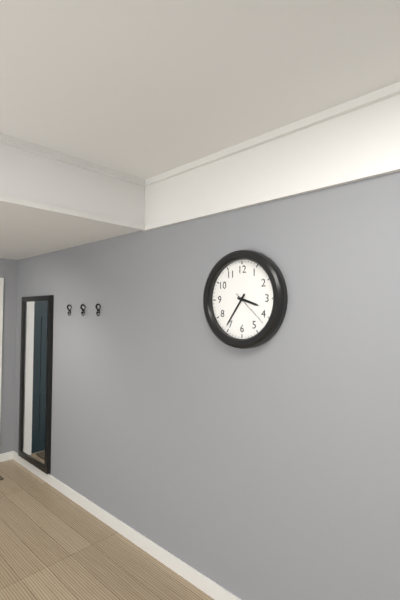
3:36
